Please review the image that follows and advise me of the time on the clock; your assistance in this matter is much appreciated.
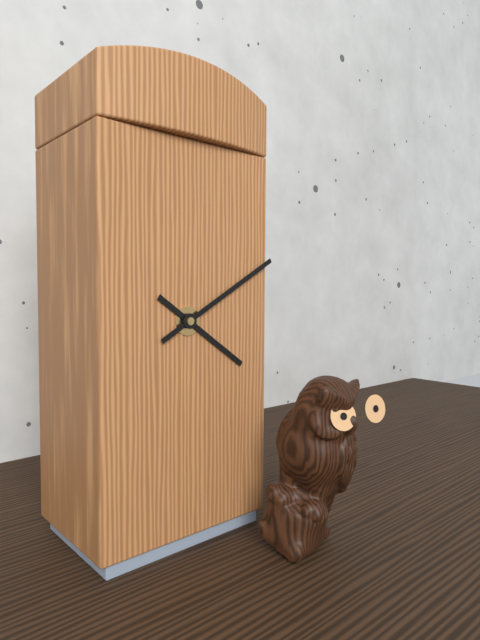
4:10
